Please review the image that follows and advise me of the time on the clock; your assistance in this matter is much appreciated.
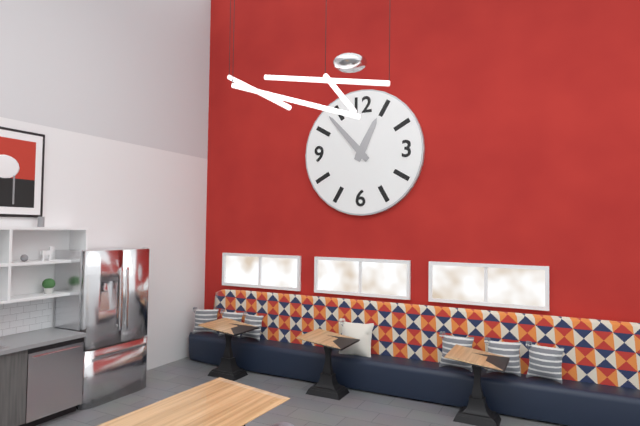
12:53
